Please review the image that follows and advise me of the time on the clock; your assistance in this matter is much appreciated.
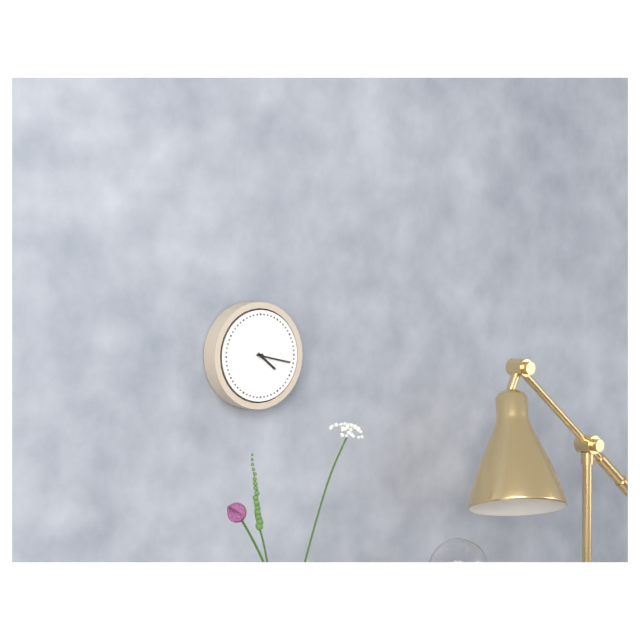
4:17
